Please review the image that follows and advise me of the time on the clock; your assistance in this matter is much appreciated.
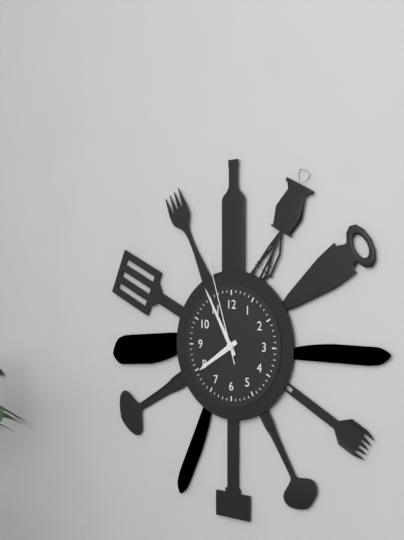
7:55:57
